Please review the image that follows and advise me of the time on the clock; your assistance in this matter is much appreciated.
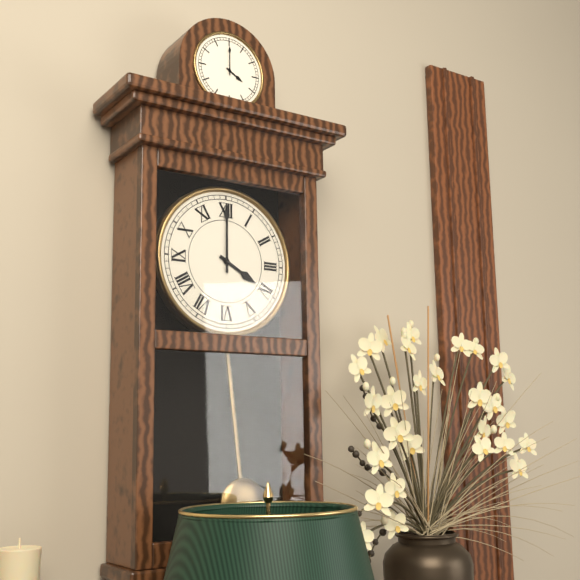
4:00
